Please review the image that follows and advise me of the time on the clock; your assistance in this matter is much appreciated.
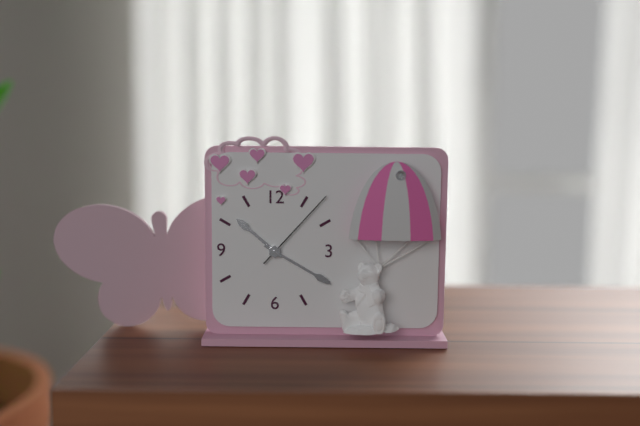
10:20:07
